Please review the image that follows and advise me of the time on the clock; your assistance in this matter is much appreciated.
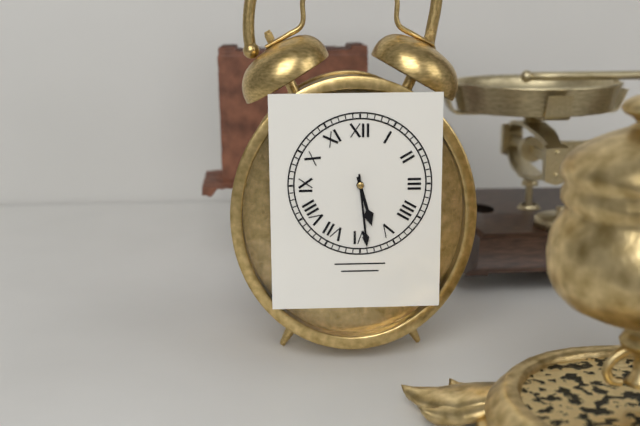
5:29
